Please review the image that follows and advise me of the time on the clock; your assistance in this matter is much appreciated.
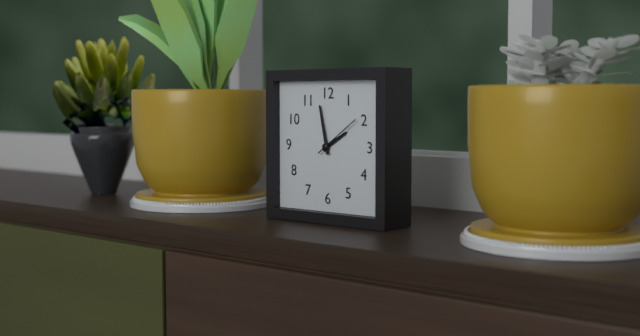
1:58:09
